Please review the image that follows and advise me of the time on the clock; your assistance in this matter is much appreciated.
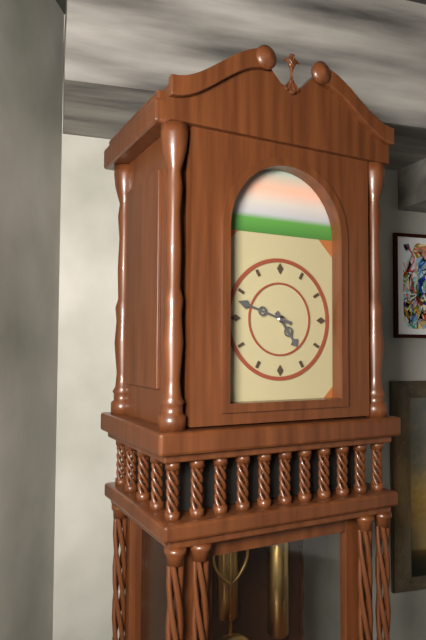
4:48
